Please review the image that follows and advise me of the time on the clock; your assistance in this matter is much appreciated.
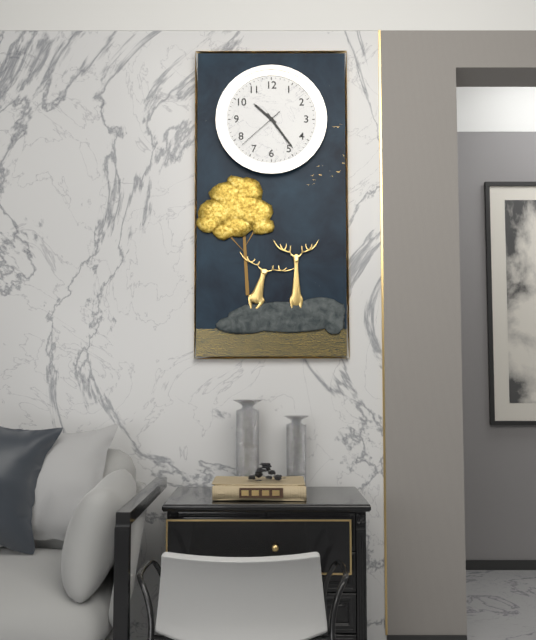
10:24
